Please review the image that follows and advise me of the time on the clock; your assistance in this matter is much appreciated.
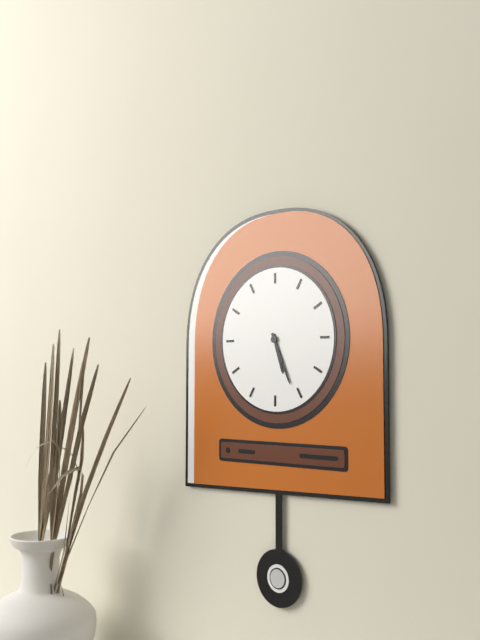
5:26
